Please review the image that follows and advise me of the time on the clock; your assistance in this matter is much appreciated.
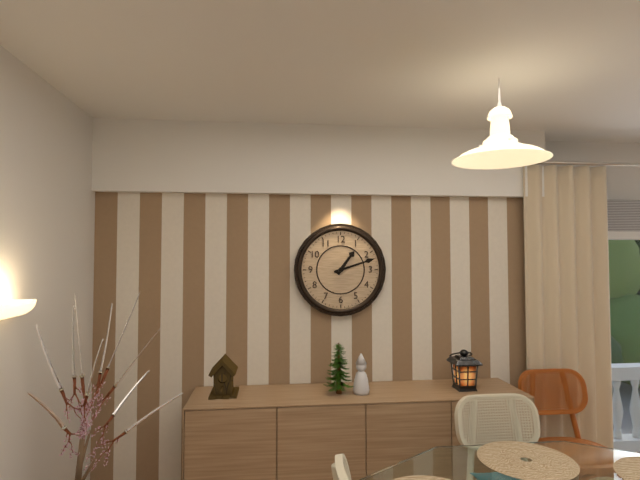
1:12
